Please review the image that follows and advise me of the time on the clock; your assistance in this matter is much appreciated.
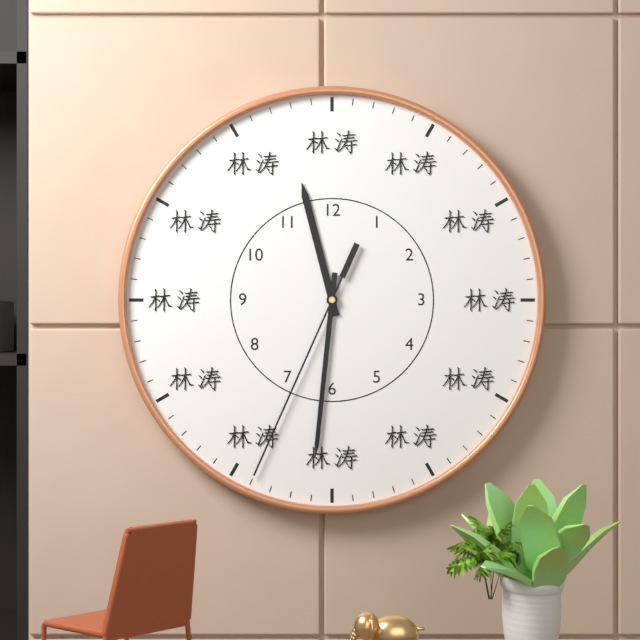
11:31:34
